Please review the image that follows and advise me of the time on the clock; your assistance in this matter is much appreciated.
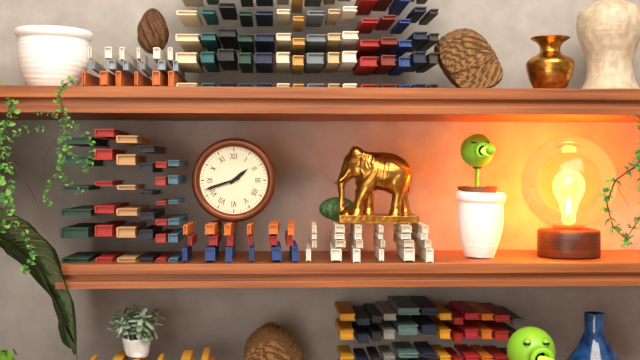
1:42
